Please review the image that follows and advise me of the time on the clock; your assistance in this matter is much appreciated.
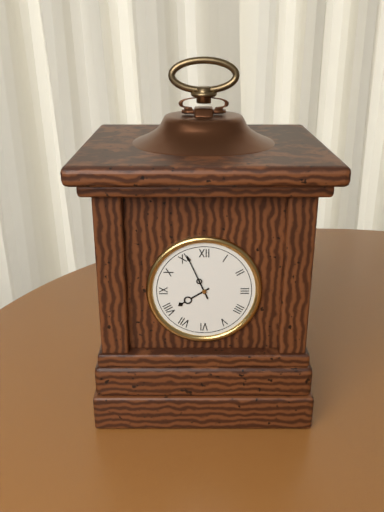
7:56
